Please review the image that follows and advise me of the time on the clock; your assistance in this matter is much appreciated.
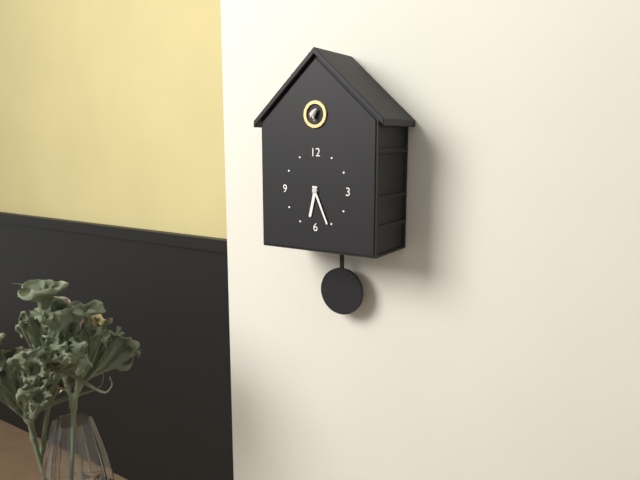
6:26
